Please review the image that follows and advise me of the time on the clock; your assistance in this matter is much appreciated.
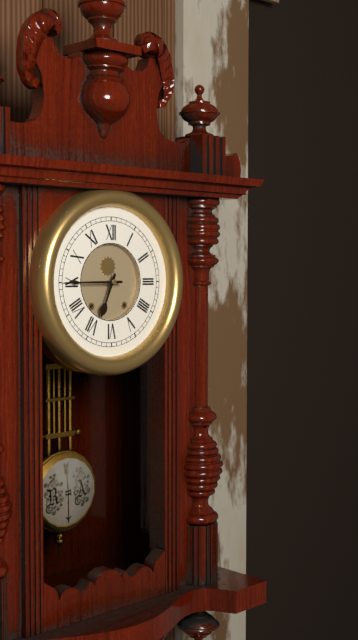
6:45
